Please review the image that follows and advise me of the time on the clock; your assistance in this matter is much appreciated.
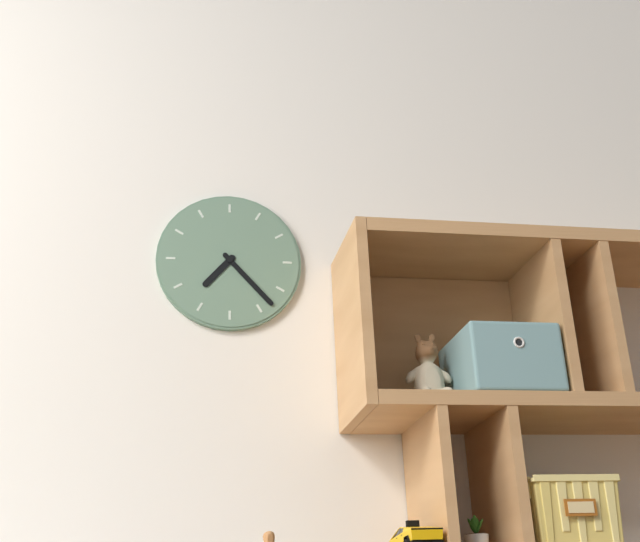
7:23
